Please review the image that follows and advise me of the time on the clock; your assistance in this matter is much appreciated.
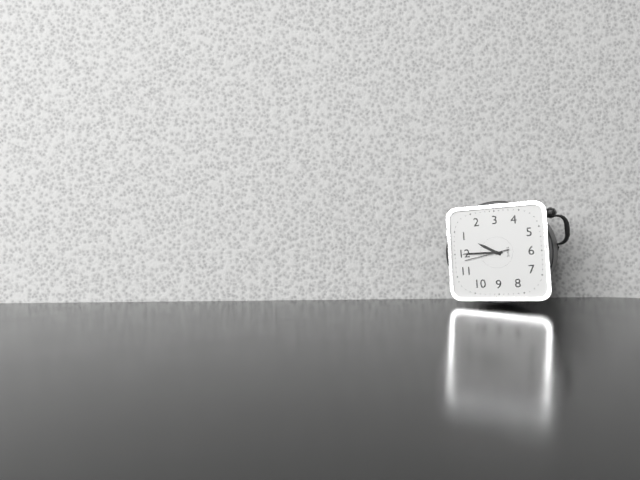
1:00
